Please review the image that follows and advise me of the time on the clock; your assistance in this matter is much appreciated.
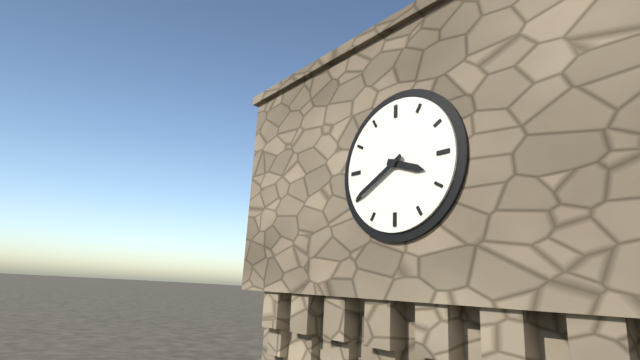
3:40
